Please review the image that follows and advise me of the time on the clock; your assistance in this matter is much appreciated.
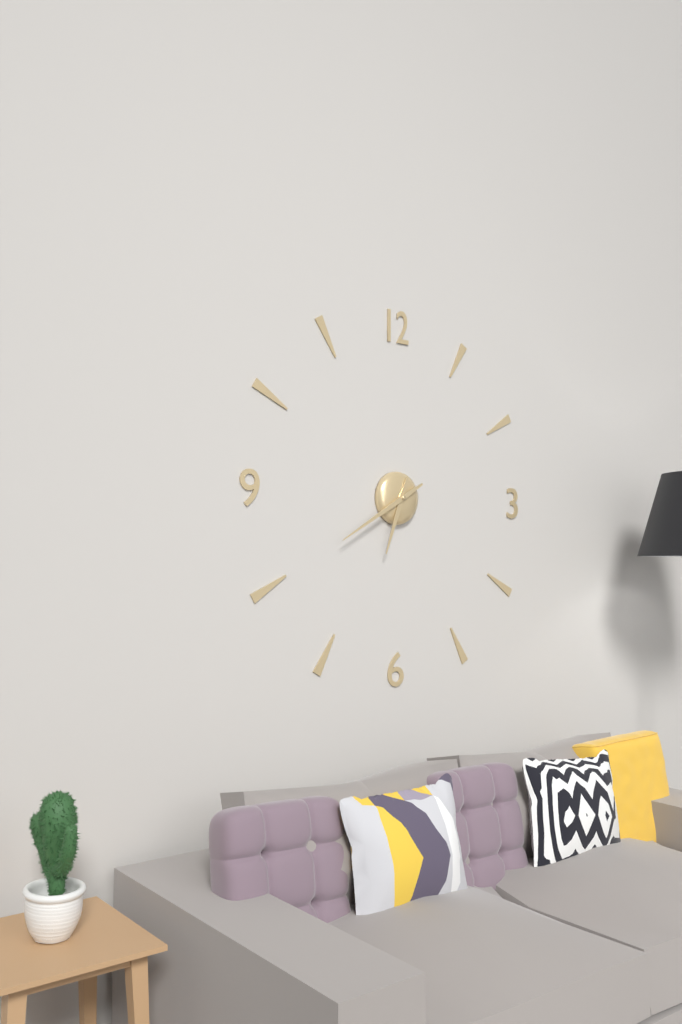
6:40
